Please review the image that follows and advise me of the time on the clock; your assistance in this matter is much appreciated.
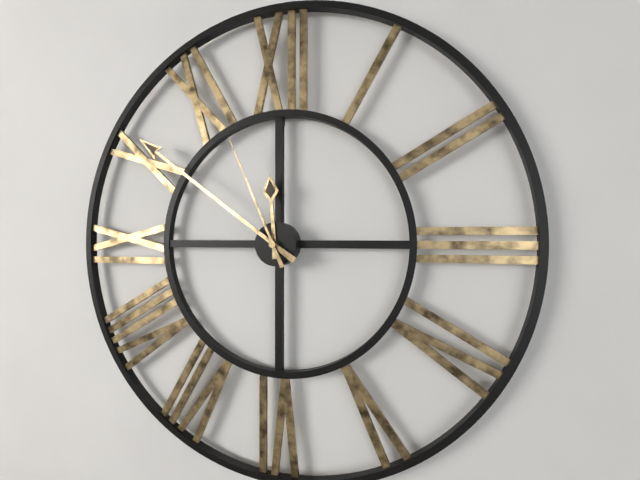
11:51:56
